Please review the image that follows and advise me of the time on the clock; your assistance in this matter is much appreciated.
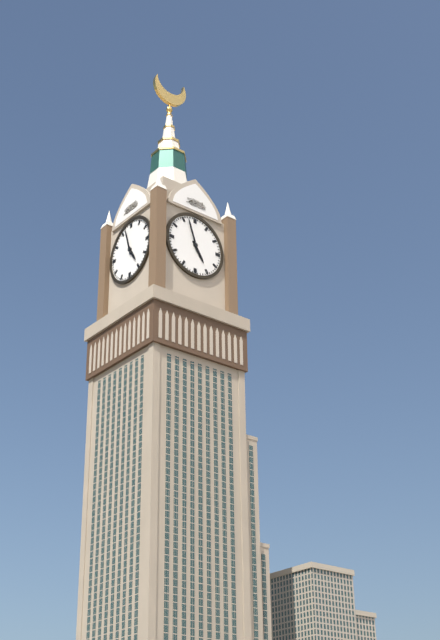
4:57
